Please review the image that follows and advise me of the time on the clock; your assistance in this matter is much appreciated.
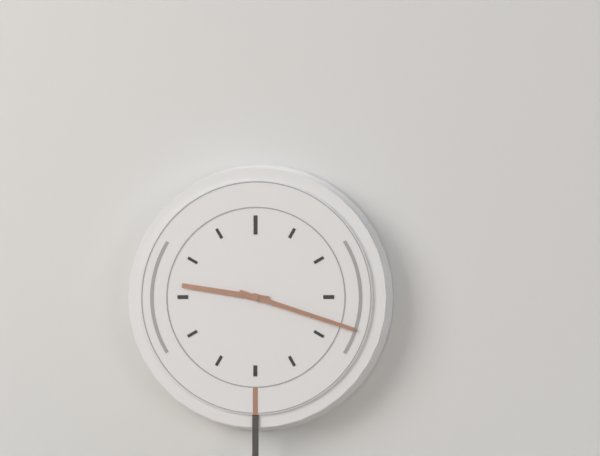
9:18
